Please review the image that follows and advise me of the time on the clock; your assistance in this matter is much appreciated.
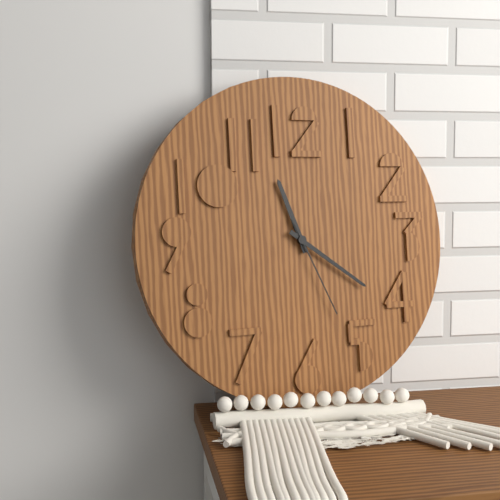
11:21:26
